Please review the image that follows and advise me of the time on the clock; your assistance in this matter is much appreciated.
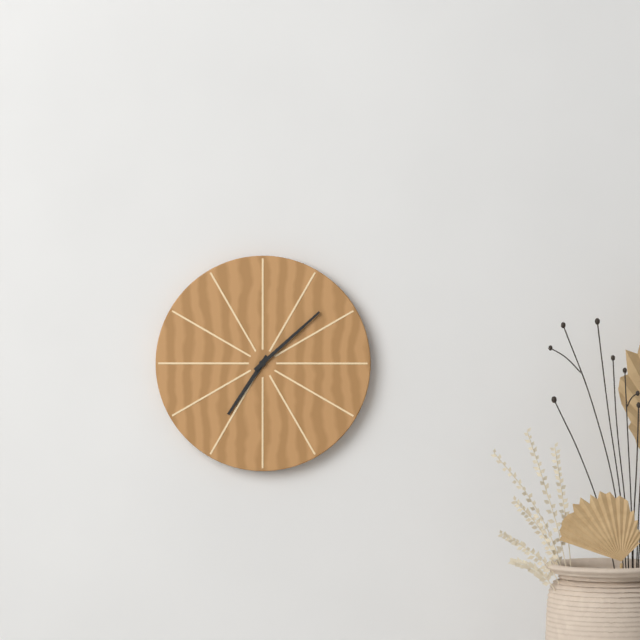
7:08
